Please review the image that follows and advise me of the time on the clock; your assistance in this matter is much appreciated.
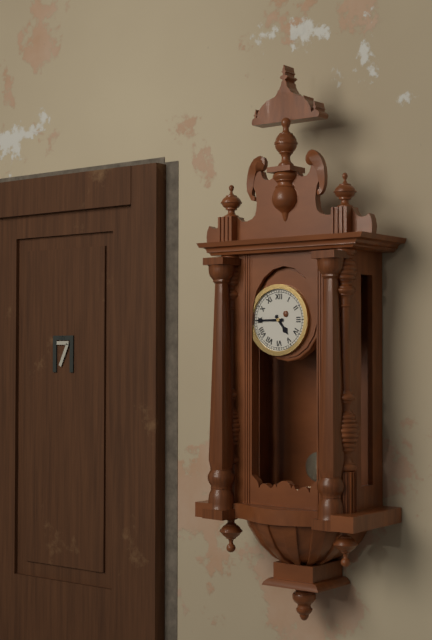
4:45
